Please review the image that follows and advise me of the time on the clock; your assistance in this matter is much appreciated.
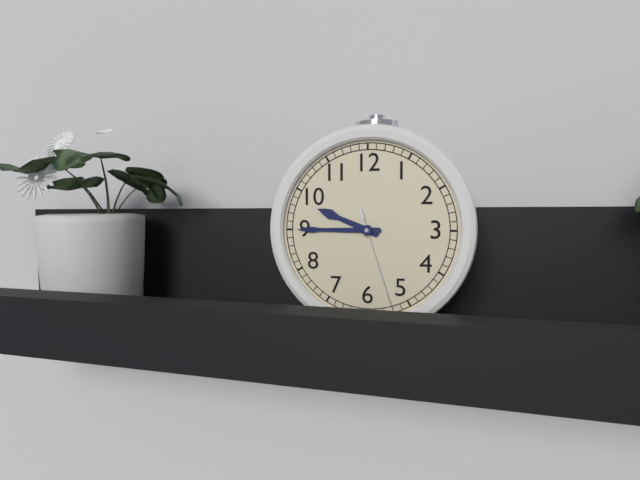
9:45:27
